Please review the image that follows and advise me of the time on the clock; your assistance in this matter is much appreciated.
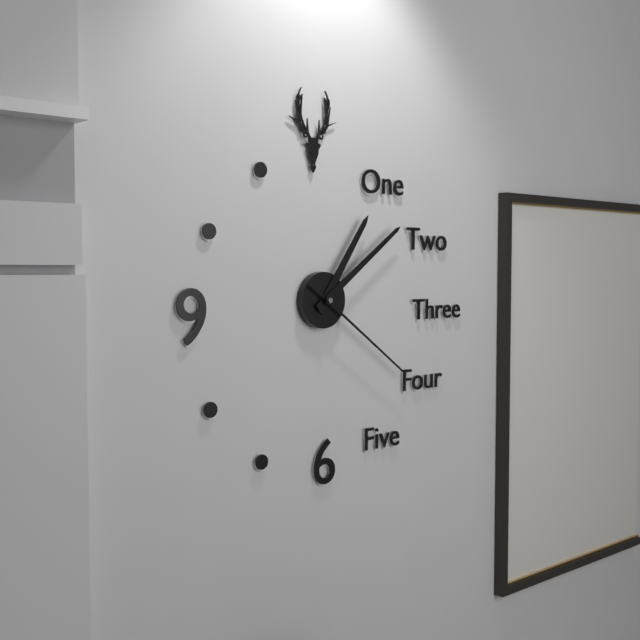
1:09:21
